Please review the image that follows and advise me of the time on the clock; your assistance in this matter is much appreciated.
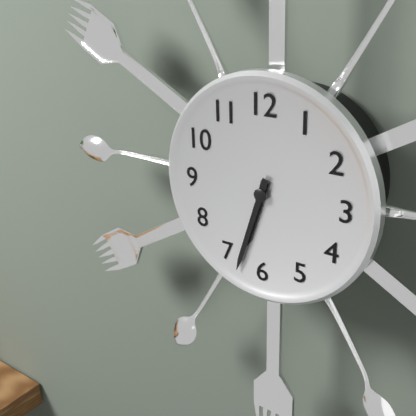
6:33
